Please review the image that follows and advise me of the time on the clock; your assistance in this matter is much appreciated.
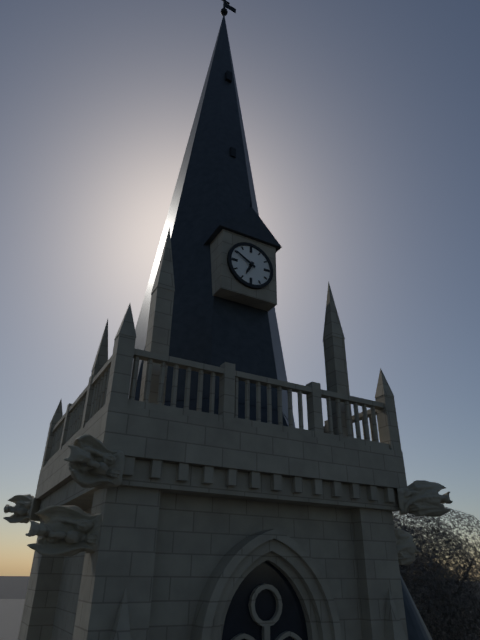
6:50
